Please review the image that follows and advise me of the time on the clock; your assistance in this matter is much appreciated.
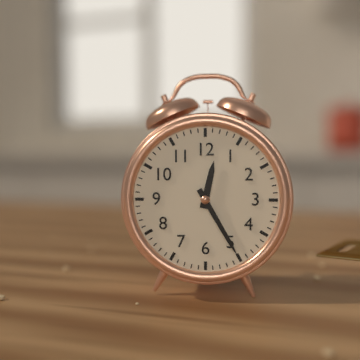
12:25
